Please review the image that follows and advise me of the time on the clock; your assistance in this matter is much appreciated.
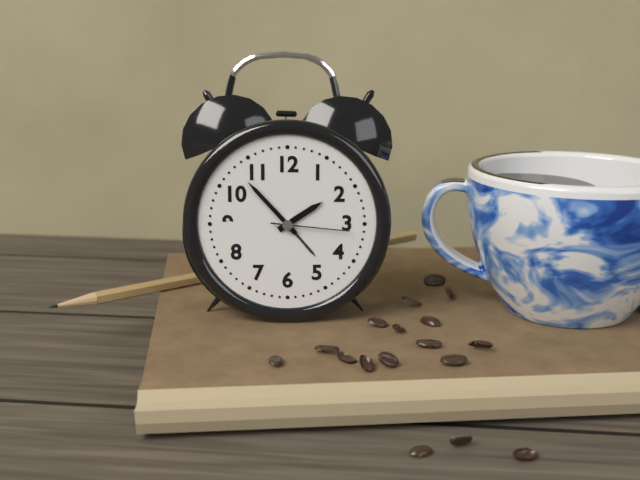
1:53:16
